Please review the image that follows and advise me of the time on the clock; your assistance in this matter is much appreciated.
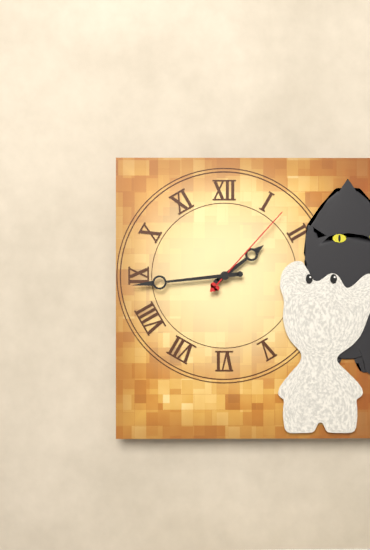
1:44:07
